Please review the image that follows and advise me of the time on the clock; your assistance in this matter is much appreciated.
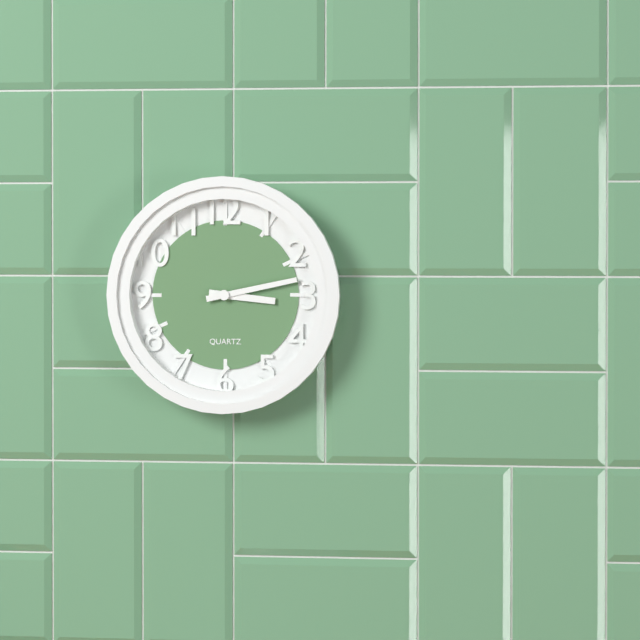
3:13
